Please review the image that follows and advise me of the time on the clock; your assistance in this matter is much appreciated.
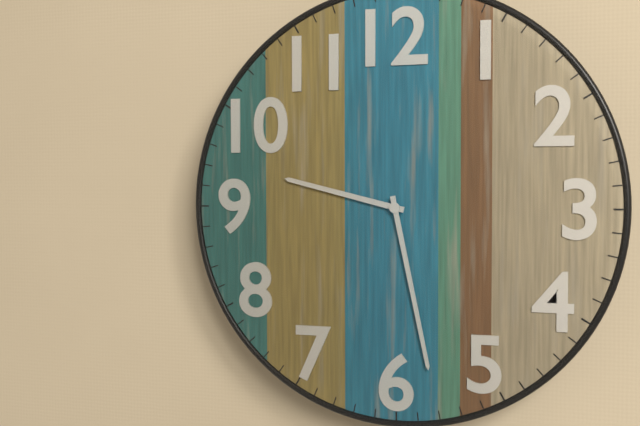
9:28
